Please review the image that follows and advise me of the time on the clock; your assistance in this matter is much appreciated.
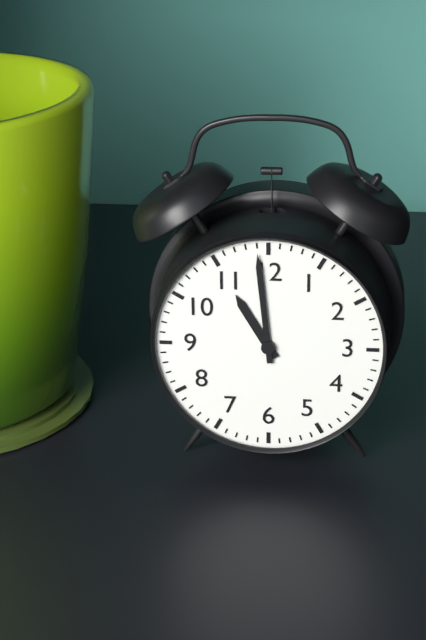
10:59
